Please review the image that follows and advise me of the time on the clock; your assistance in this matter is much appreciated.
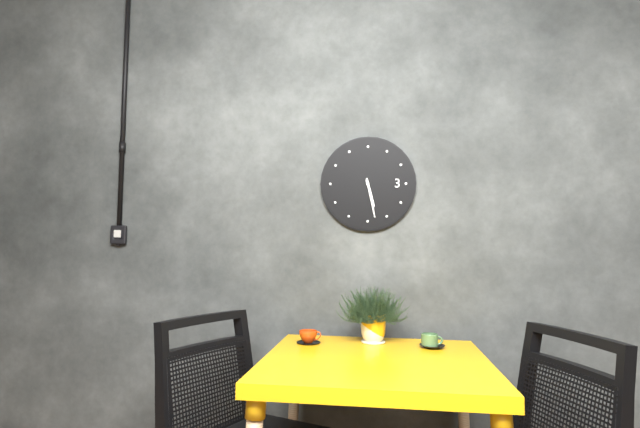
5:28
